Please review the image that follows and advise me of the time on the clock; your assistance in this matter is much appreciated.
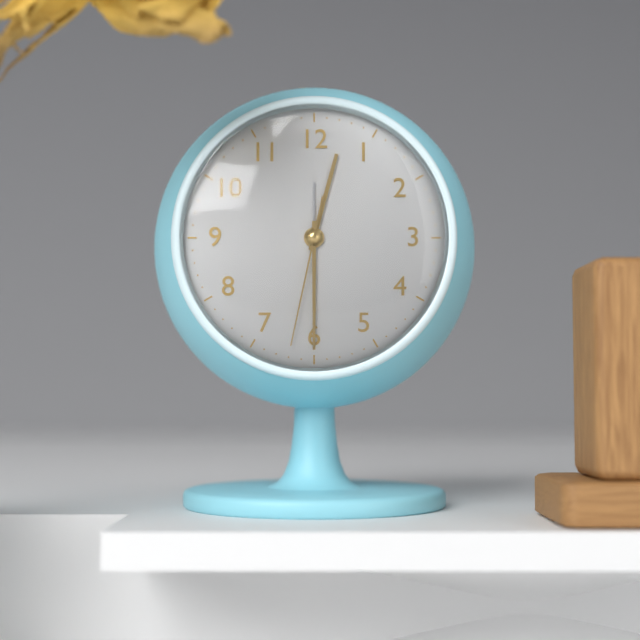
12:30:32
